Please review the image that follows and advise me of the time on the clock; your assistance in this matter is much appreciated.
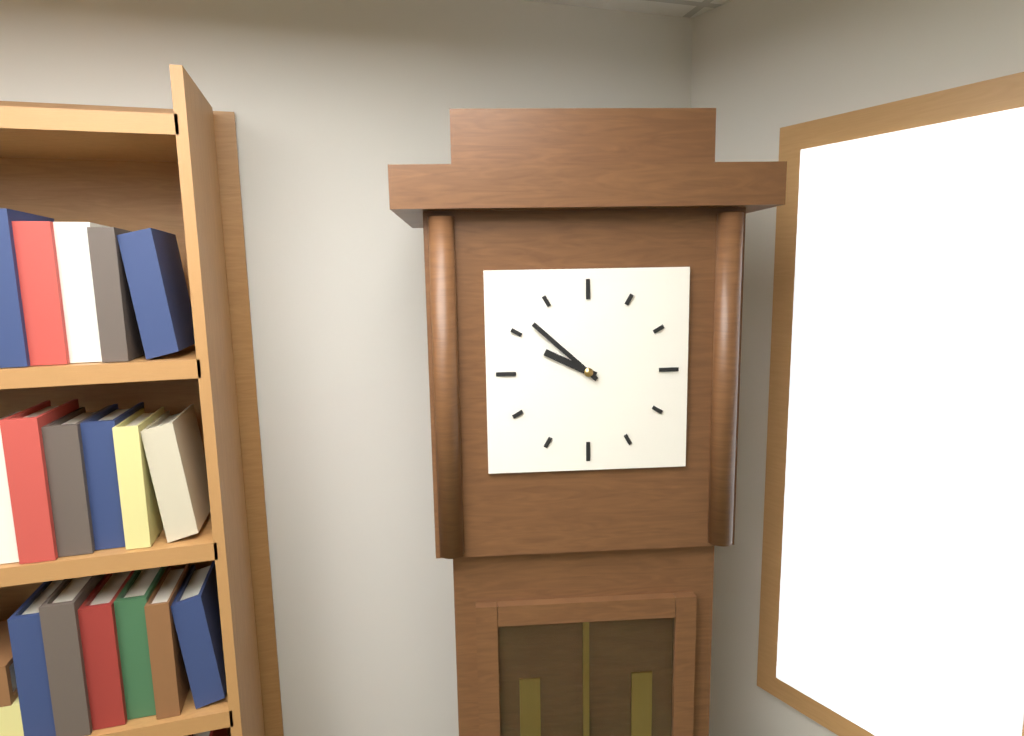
9:52
